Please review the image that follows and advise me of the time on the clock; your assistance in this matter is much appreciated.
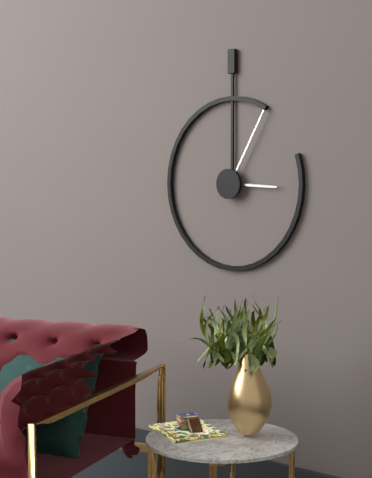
3:05
